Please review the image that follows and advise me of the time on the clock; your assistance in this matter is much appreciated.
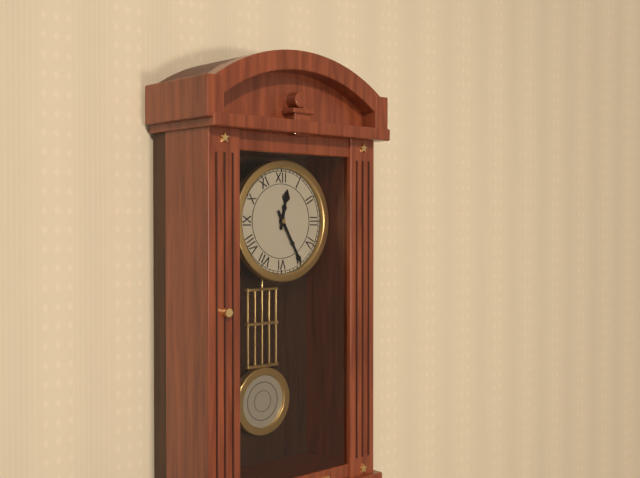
12:25
